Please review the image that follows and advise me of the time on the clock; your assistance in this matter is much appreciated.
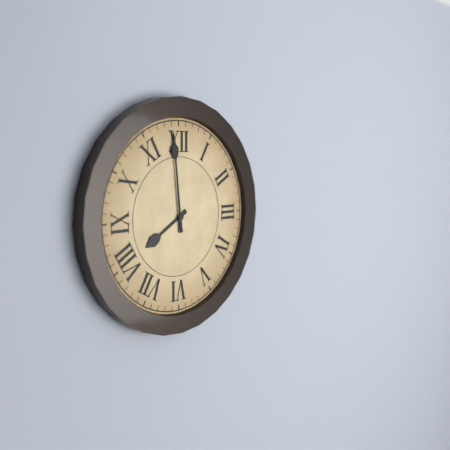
7:59
